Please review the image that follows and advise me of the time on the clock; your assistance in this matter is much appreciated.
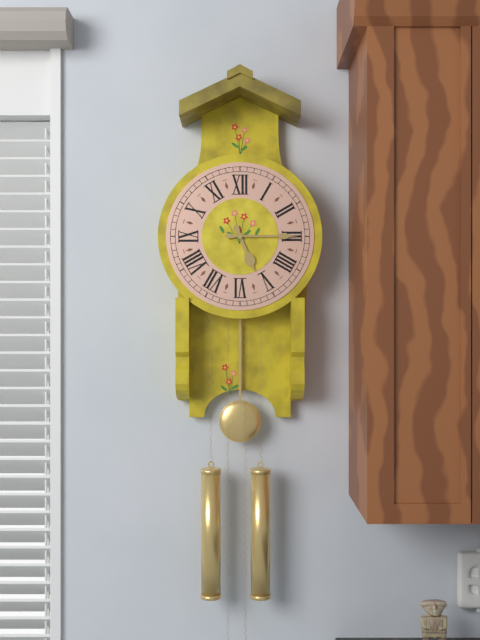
5:15
